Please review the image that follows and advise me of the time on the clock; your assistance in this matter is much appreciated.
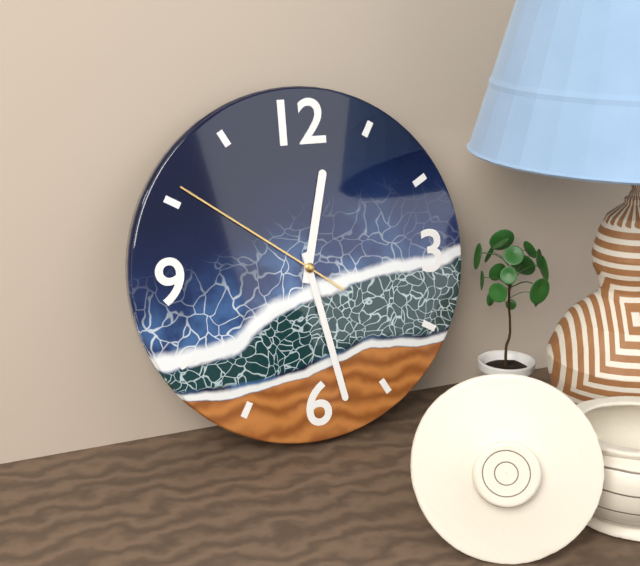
12:28:51
